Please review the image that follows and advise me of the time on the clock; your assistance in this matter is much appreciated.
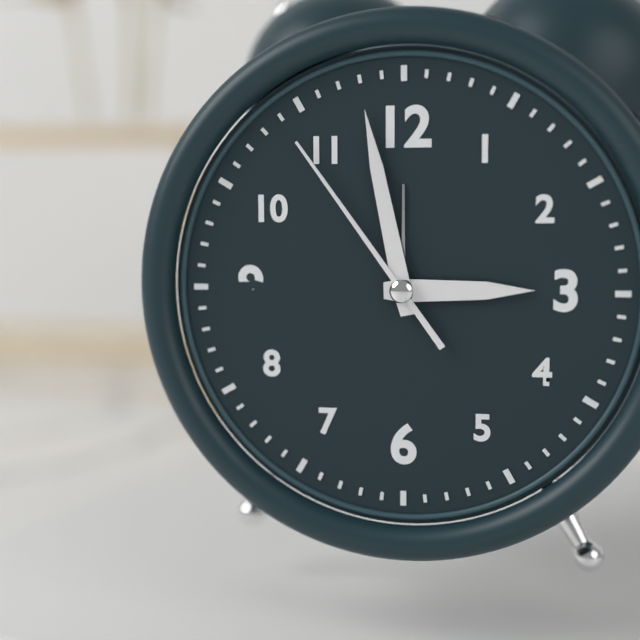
2:58:54
